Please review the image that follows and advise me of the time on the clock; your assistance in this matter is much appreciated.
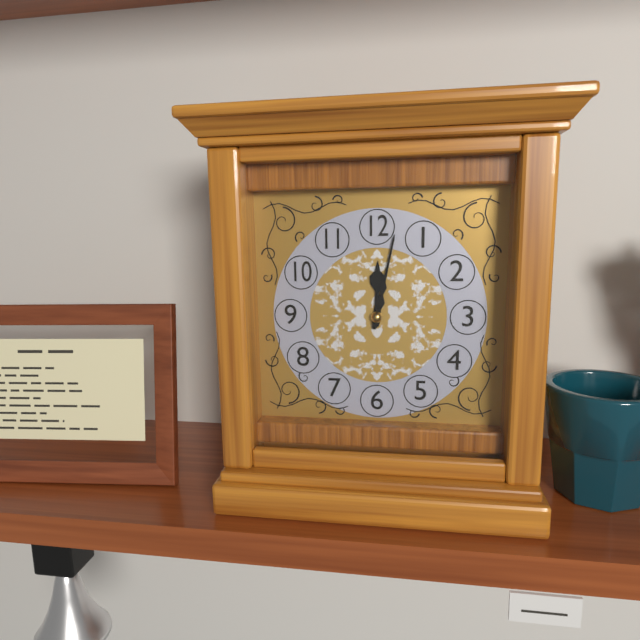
12:02
